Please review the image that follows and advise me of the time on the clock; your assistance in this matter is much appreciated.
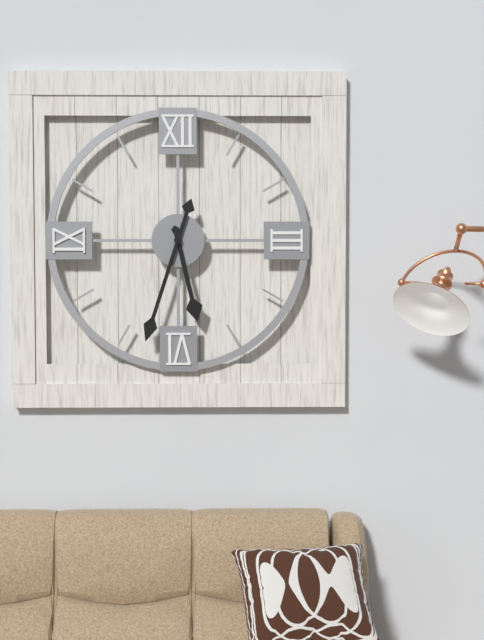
5:33
